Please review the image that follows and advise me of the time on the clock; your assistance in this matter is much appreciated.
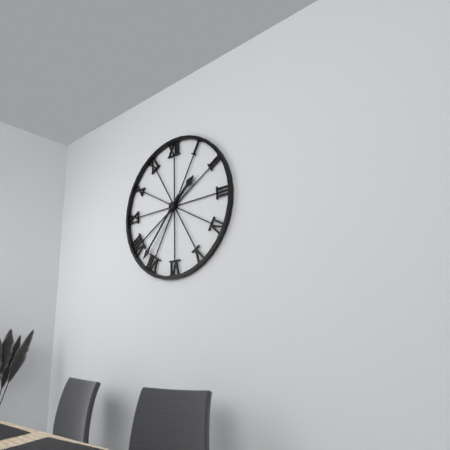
1:37
